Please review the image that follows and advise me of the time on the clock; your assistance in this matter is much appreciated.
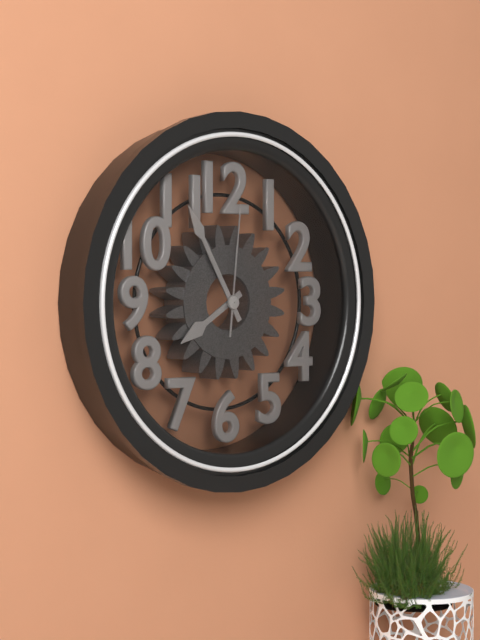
7:55:01
